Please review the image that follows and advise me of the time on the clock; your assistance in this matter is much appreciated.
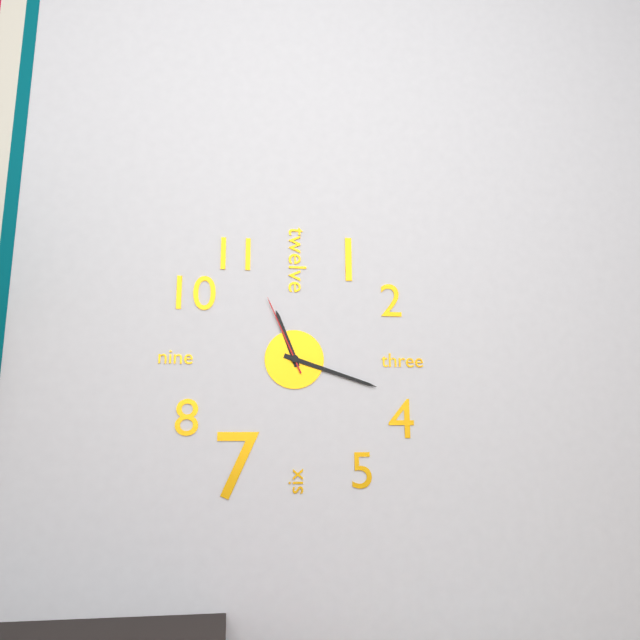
11:18:56
